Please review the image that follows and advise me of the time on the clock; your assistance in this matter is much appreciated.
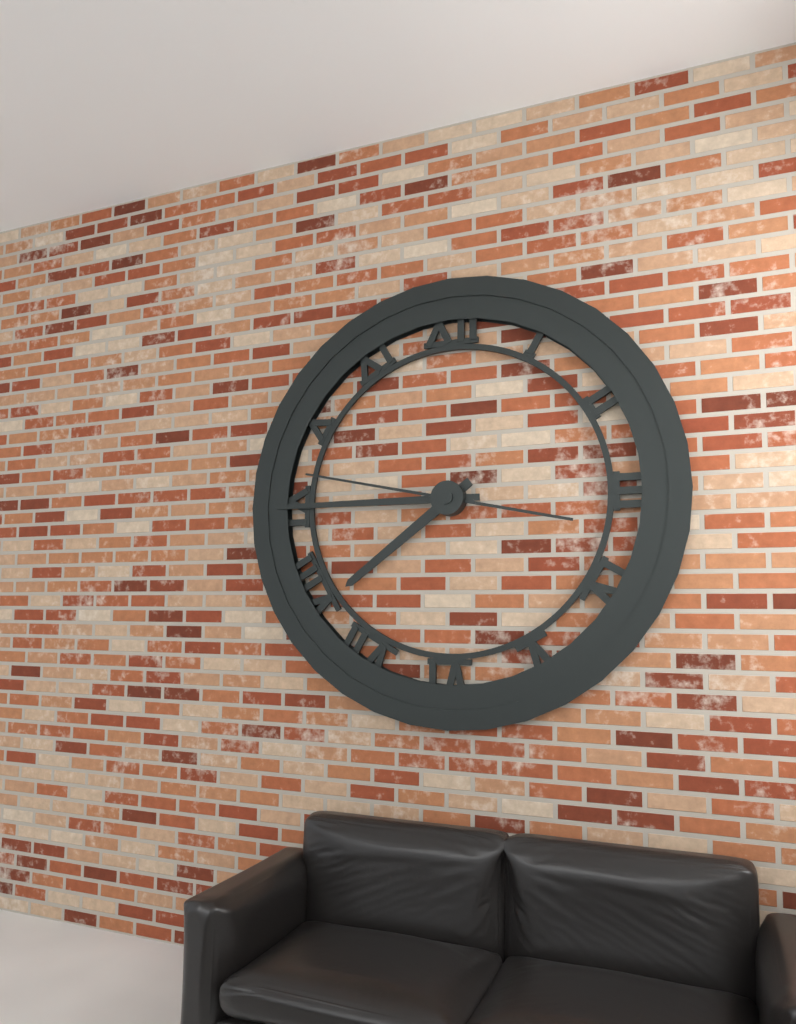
7:45:47
